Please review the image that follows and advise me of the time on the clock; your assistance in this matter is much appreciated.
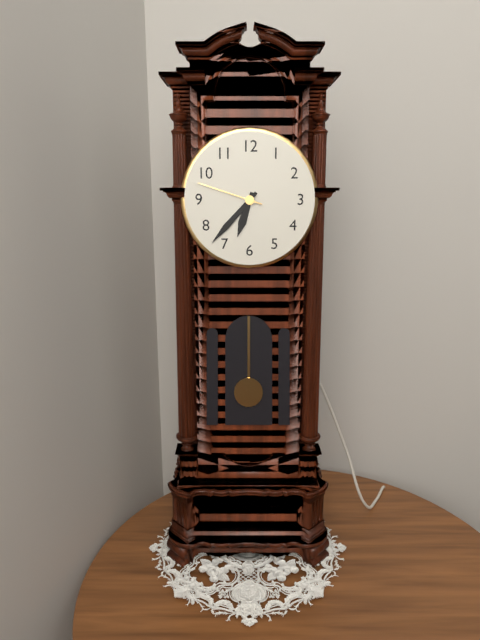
6:37:48
